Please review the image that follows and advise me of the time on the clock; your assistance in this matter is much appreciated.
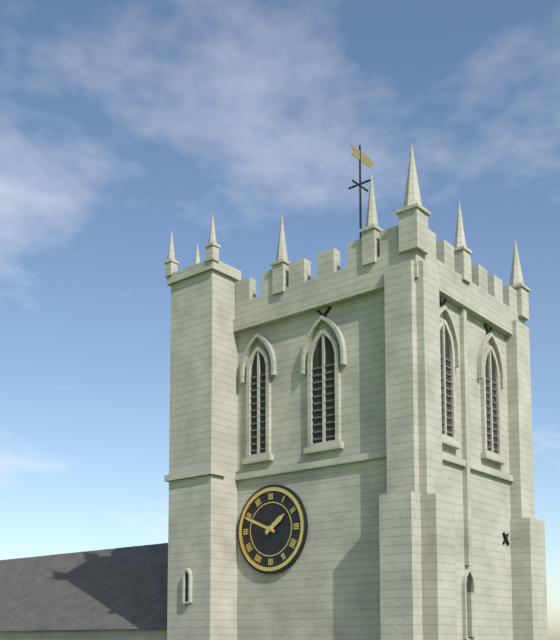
1:49
